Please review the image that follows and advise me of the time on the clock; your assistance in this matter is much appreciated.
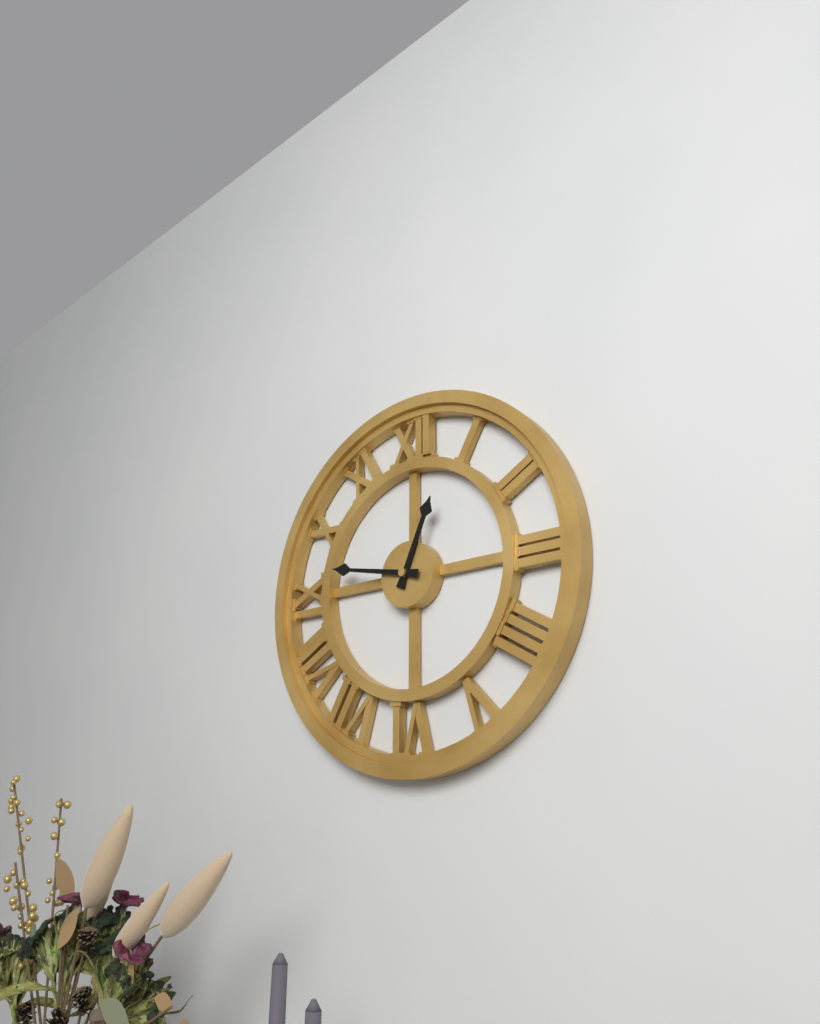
12:47
